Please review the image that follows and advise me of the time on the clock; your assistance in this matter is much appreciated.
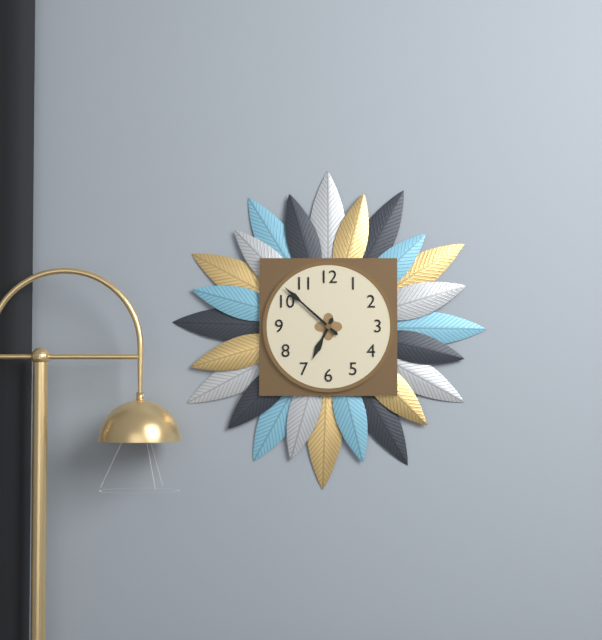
6:52
